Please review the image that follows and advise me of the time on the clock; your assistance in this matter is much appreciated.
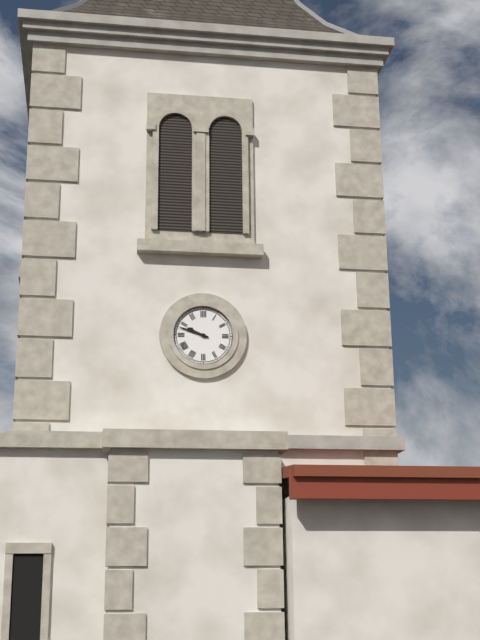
9:48
